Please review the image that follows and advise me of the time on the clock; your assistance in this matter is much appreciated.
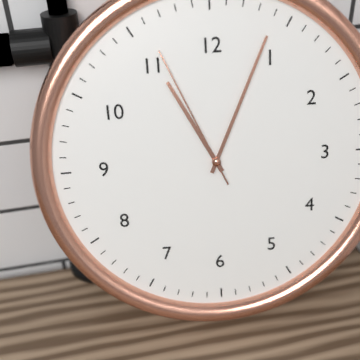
11:04:56
